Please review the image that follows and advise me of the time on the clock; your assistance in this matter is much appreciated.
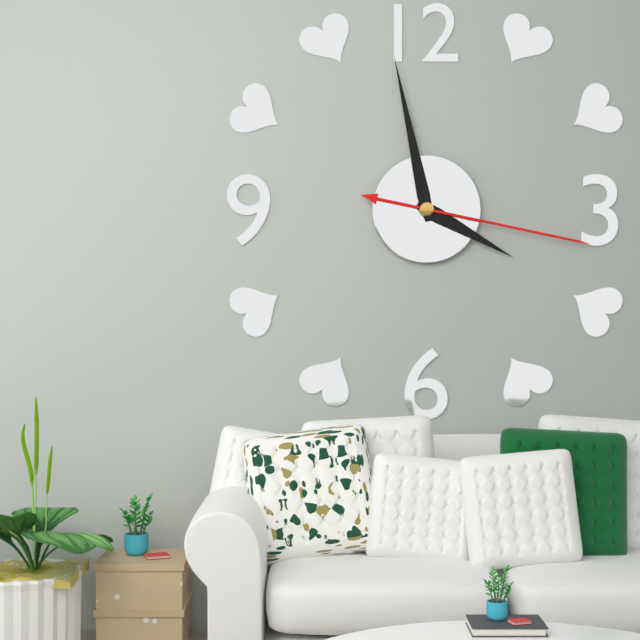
3:58:17
